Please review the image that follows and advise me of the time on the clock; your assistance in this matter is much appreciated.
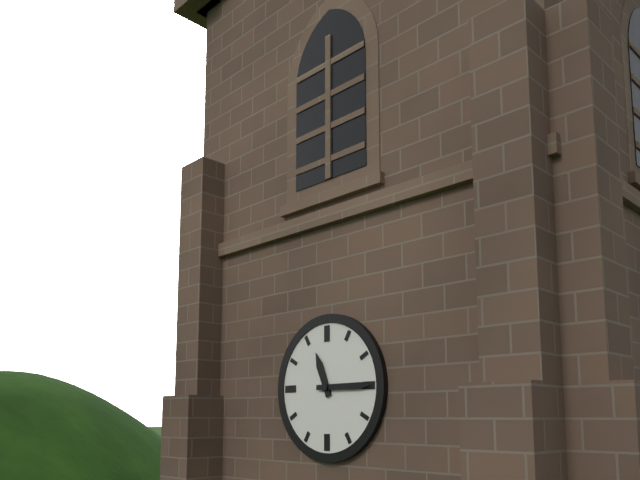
11:15
